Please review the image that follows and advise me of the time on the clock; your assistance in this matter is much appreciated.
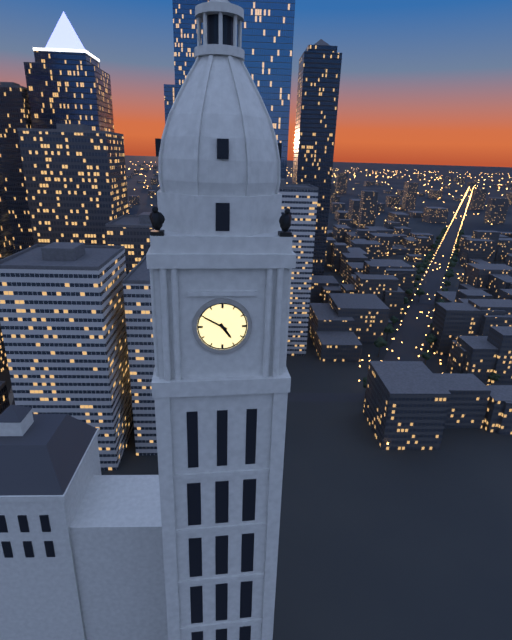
4:50
